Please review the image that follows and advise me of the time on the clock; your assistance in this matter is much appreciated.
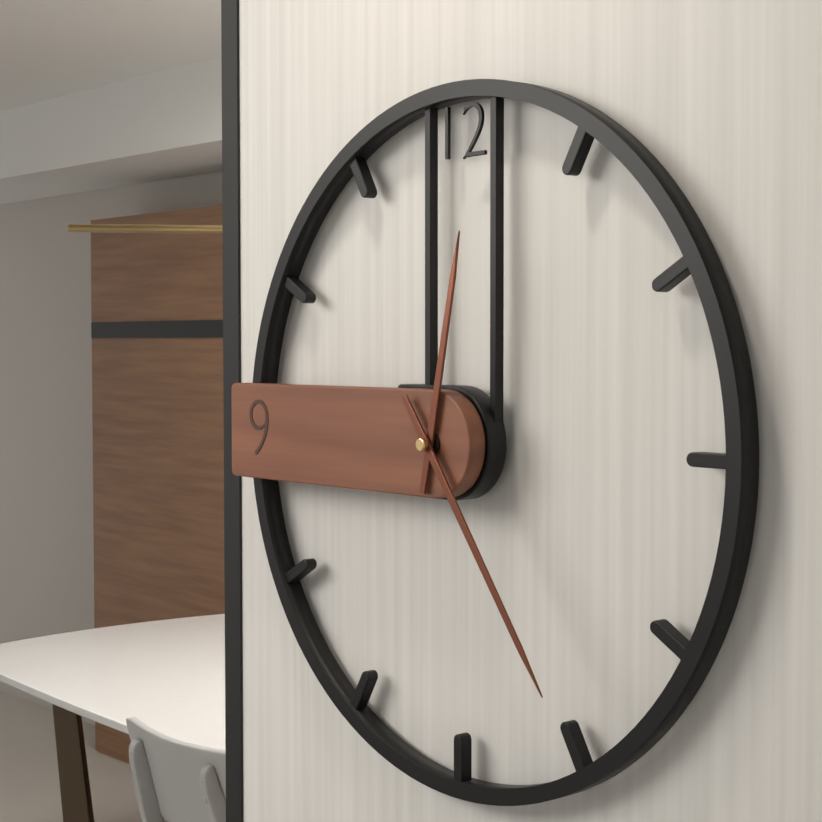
12:24
